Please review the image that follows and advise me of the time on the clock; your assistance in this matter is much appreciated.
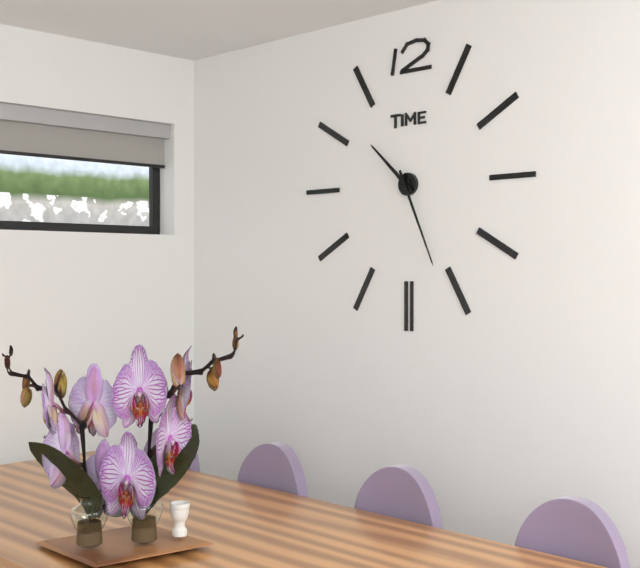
10:26
